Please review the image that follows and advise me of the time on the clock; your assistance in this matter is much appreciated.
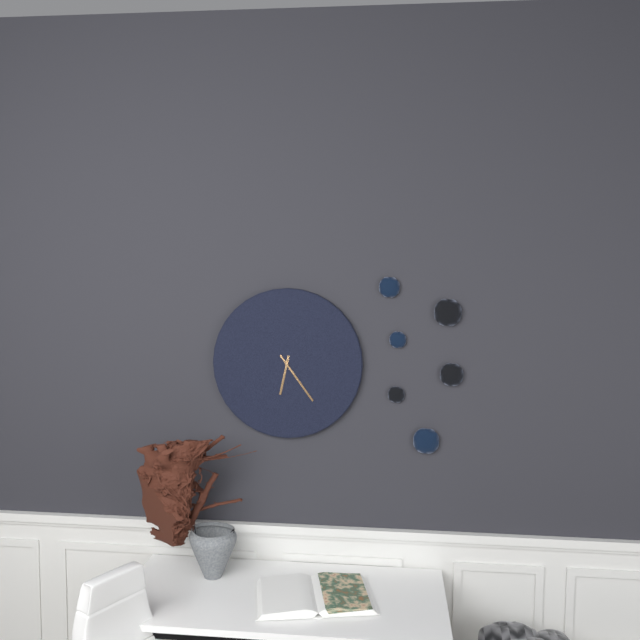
6:24
